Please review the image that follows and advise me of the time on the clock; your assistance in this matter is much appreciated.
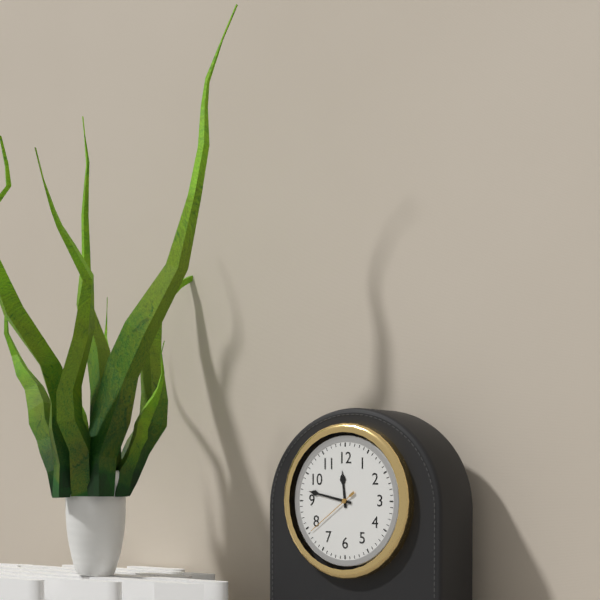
11:47:39
